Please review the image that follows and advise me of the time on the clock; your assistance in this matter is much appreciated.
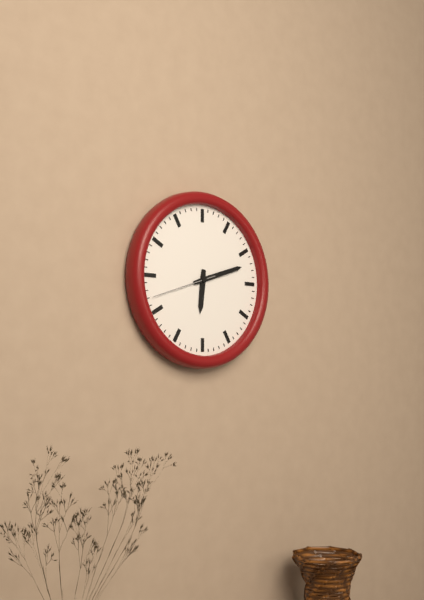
6:12:42
